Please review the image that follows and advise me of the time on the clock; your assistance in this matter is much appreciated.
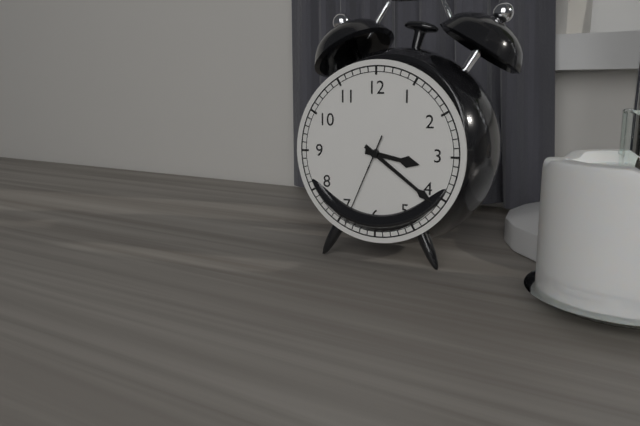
3:21:34
